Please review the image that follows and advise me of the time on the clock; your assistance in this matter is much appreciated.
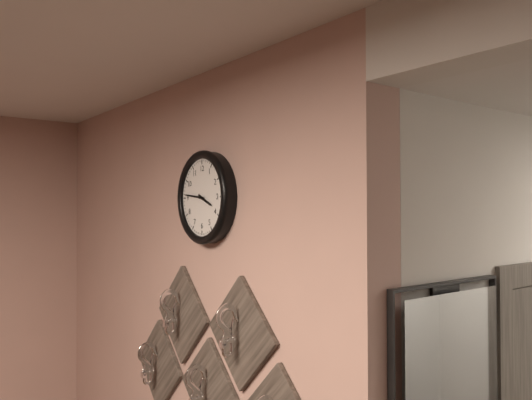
3:46
